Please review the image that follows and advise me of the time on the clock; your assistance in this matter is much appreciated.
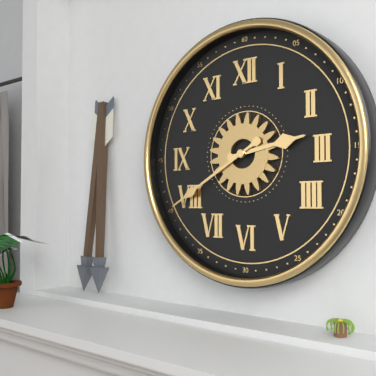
2:40
